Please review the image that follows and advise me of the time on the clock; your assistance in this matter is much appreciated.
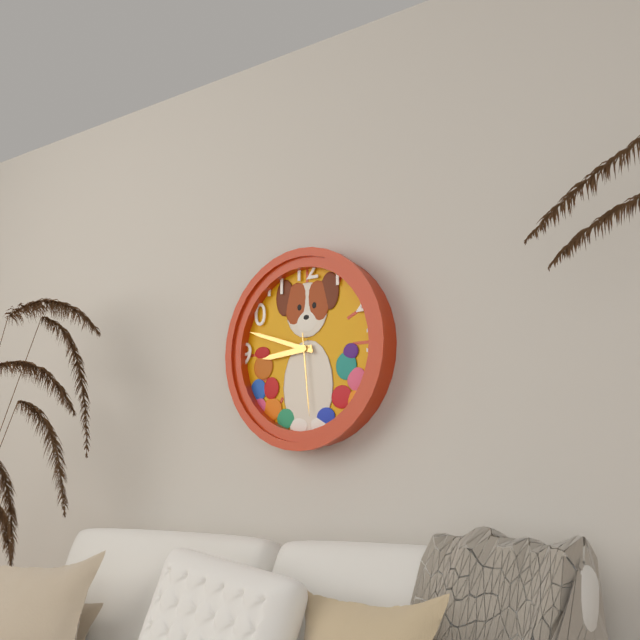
8:48:29
